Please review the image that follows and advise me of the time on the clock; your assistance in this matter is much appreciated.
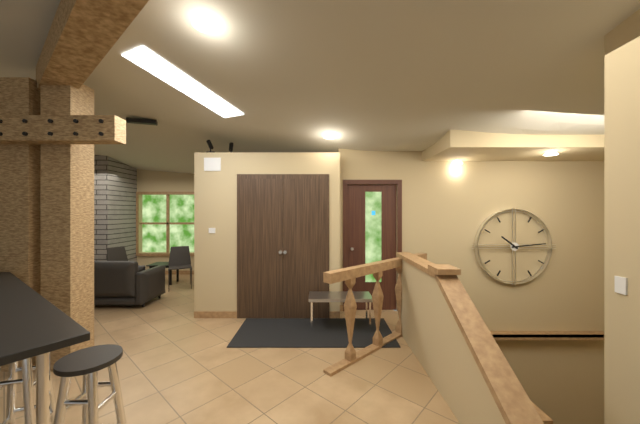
10:14
